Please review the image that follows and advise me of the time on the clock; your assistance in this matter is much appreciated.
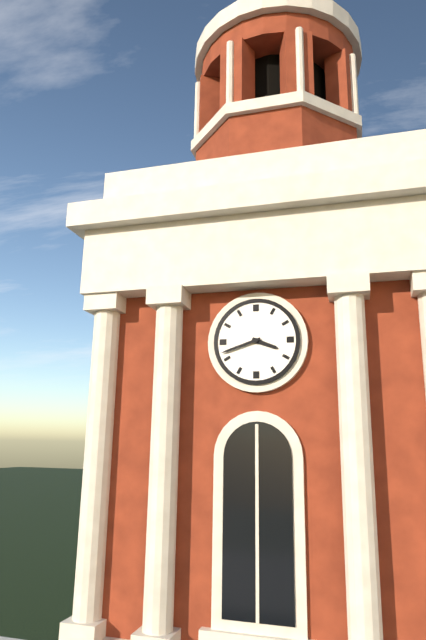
3:42
